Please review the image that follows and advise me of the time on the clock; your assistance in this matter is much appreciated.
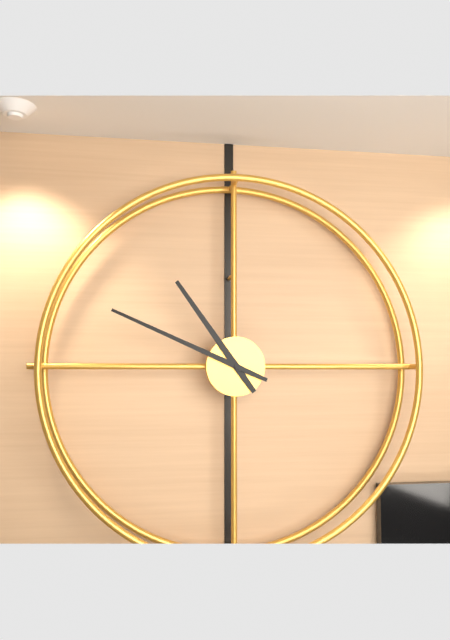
10:49
